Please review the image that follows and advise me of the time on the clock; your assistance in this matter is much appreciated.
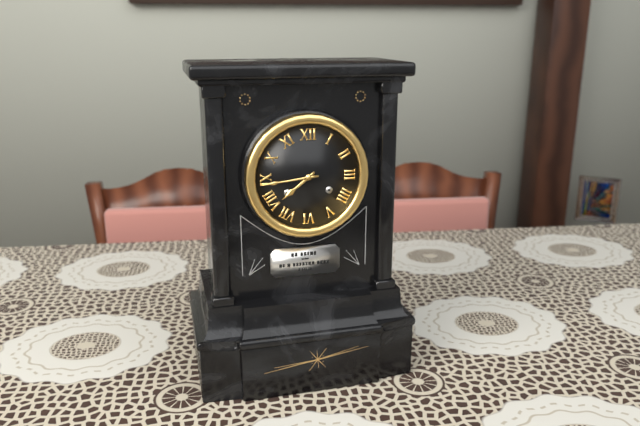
7:44
